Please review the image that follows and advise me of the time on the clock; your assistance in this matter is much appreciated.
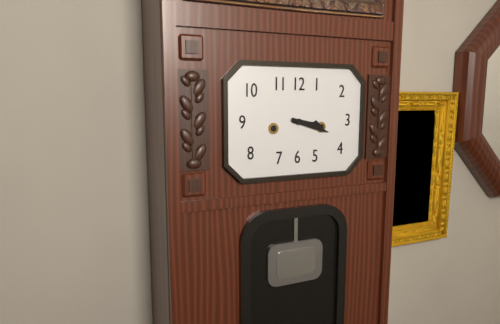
3:18
